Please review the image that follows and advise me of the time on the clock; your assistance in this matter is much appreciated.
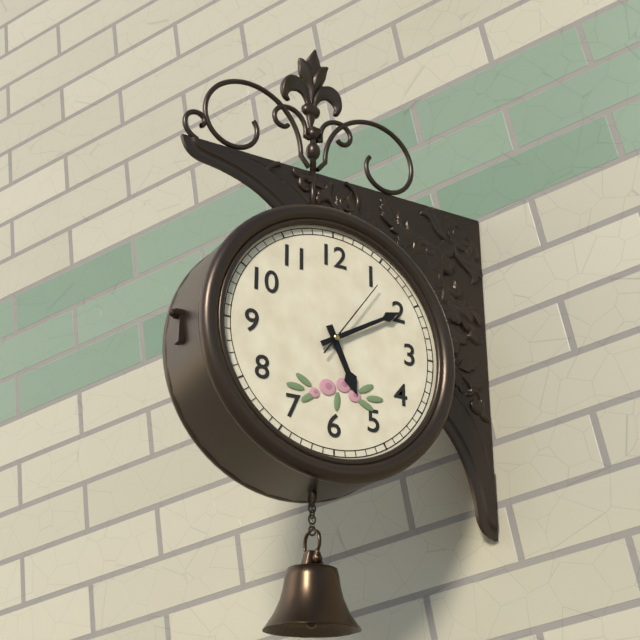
5:10:06
